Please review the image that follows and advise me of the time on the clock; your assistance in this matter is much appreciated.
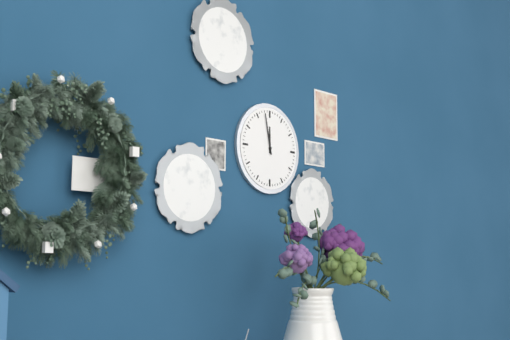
11:58
